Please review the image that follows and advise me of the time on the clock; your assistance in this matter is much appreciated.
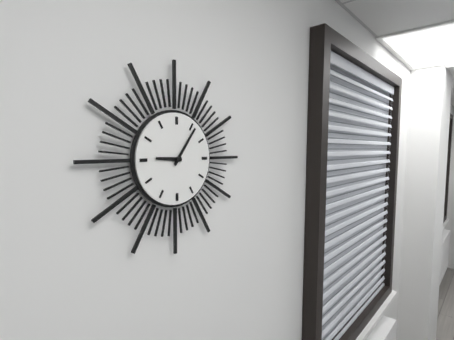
9:06
